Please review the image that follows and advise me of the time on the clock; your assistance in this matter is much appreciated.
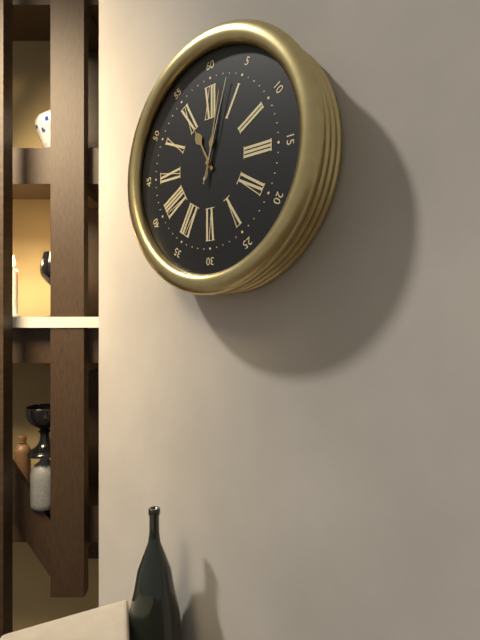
11:02:03
